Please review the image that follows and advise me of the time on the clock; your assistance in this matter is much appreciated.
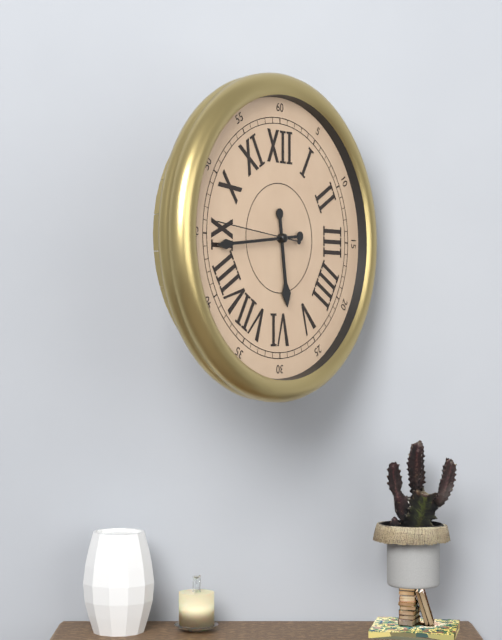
5:44:46
